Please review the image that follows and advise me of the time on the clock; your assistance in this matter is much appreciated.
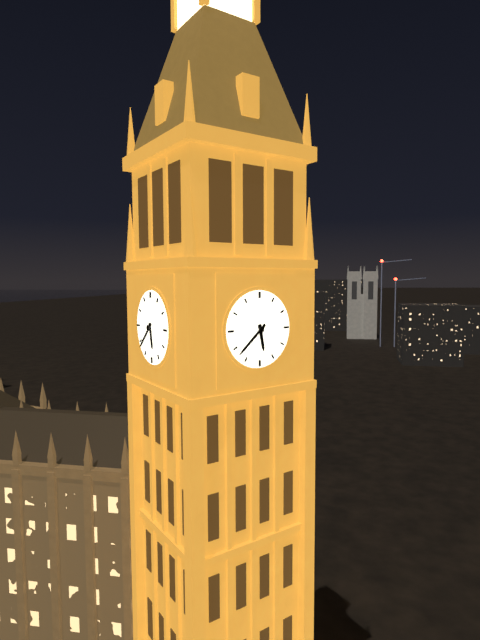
5:38
